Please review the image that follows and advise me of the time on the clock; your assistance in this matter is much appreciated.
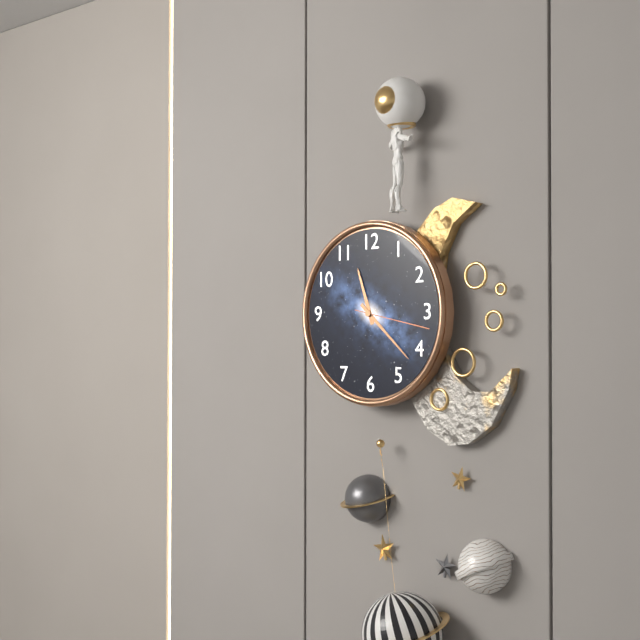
11:22:17
